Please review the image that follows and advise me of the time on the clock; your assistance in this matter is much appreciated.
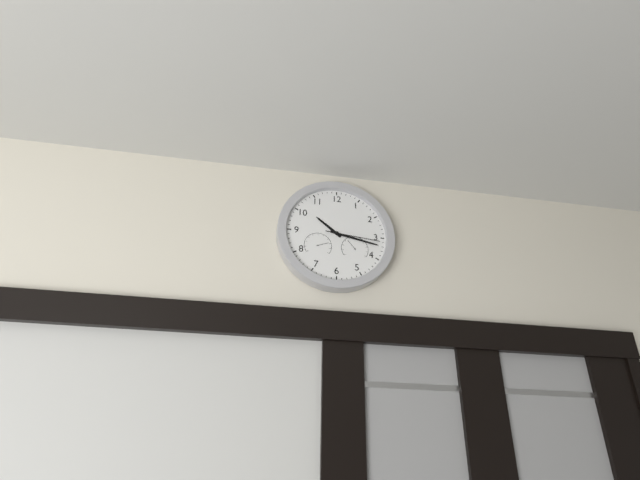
10:17:16
